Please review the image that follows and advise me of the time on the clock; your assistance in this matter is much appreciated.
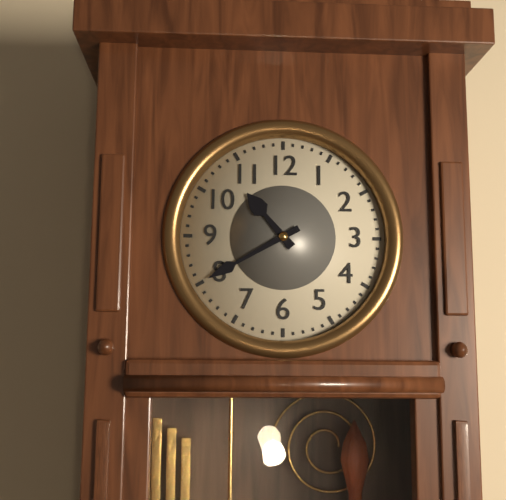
10:40
